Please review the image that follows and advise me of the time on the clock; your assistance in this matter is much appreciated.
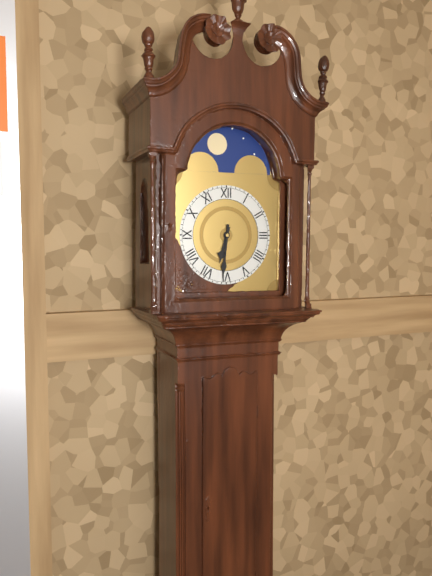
6:31
